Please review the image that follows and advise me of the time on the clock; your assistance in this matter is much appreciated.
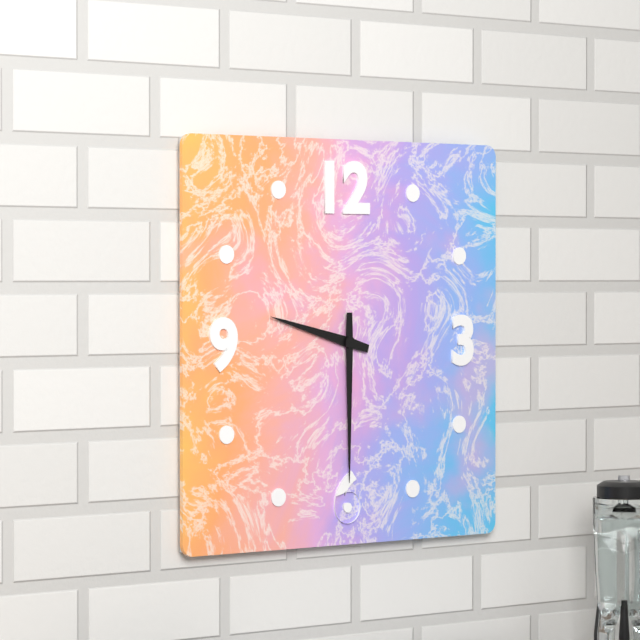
9:30
